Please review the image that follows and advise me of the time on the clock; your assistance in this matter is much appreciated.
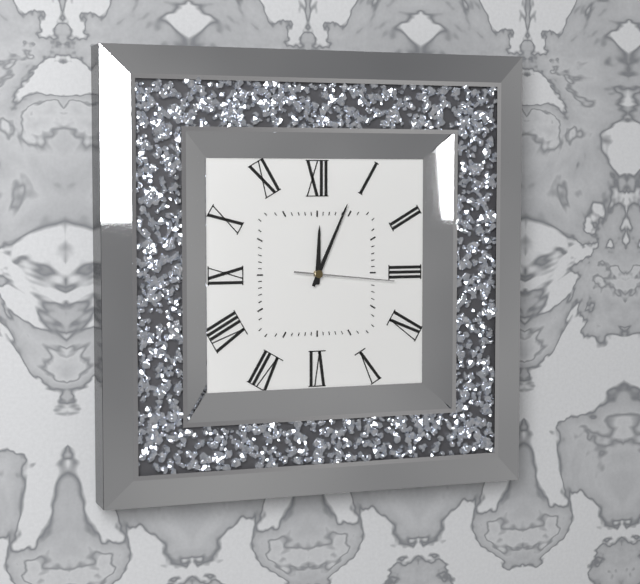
12:04:16
